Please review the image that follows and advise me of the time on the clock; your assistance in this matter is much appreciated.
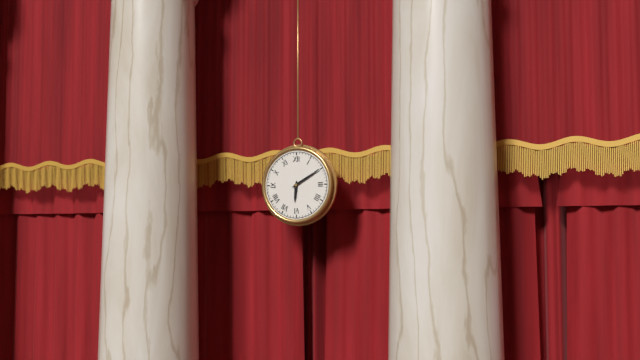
6:10
